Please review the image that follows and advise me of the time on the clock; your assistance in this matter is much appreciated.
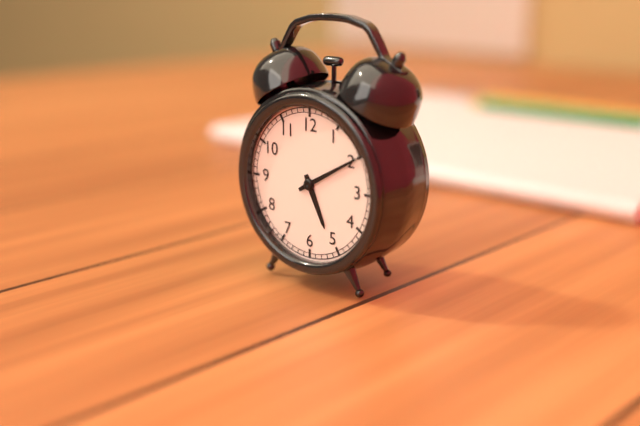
5:10
